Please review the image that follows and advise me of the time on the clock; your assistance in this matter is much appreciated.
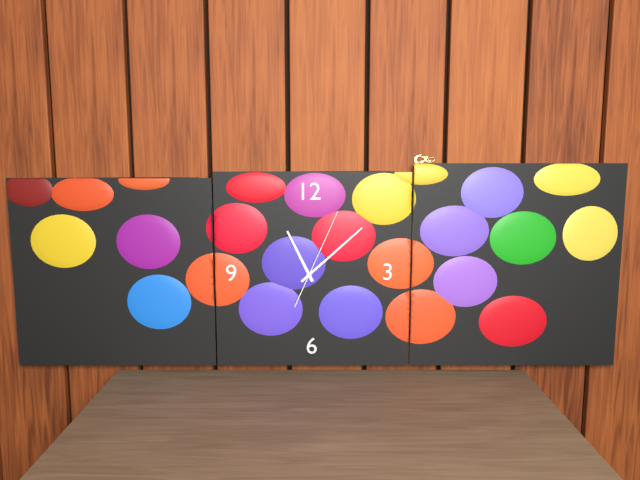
11:08:04
